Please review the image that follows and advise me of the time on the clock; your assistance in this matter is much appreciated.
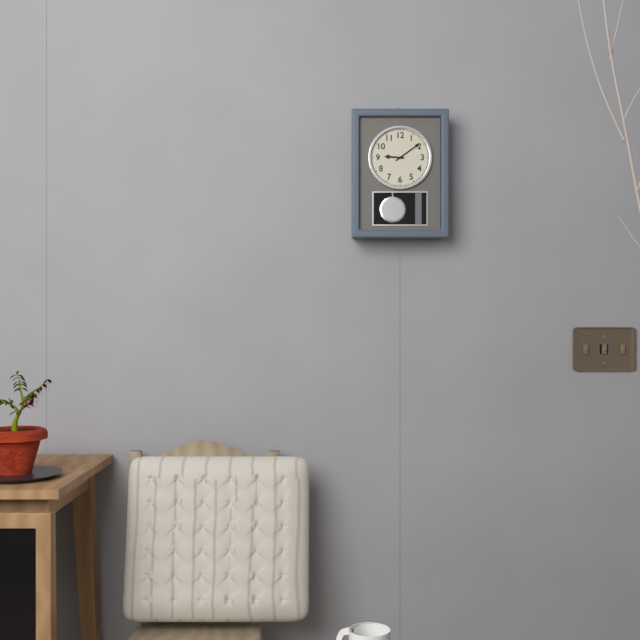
9:09
